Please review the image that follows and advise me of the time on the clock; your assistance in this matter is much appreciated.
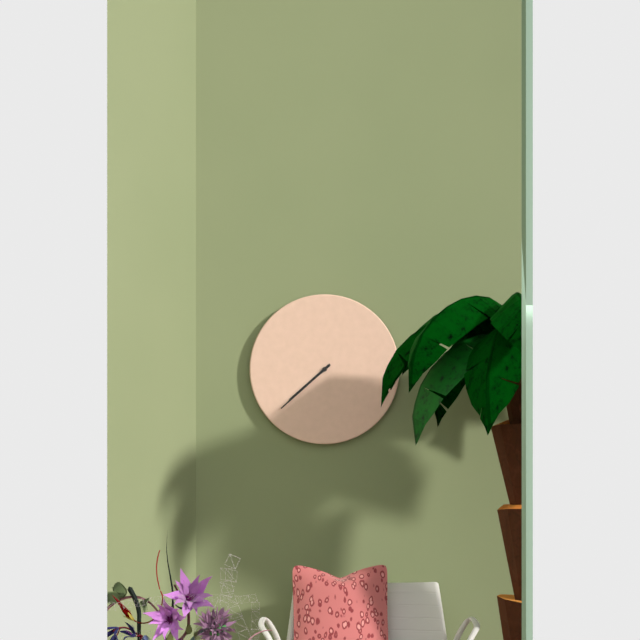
7:38
